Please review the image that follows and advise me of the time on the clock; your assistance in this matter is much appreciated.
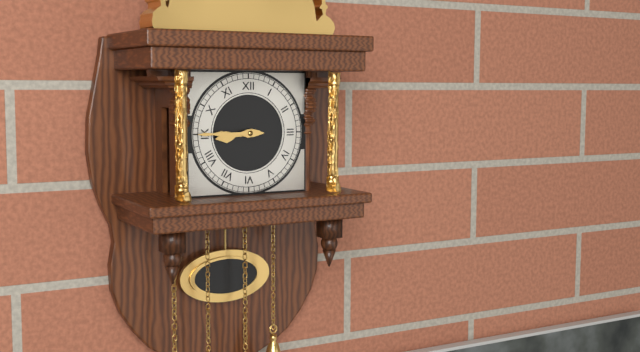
8:45
